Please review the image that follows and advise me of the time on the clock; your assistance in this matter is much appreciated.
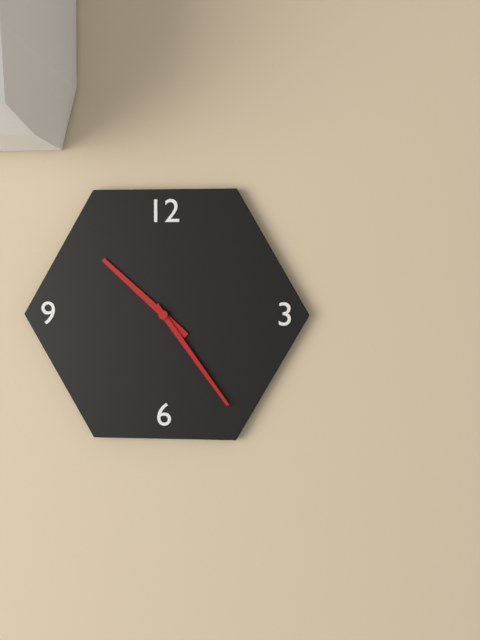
10:24
